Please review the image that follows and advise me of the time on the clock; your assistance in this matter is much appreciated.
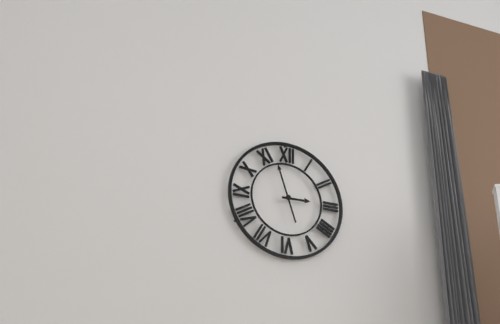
2:57
